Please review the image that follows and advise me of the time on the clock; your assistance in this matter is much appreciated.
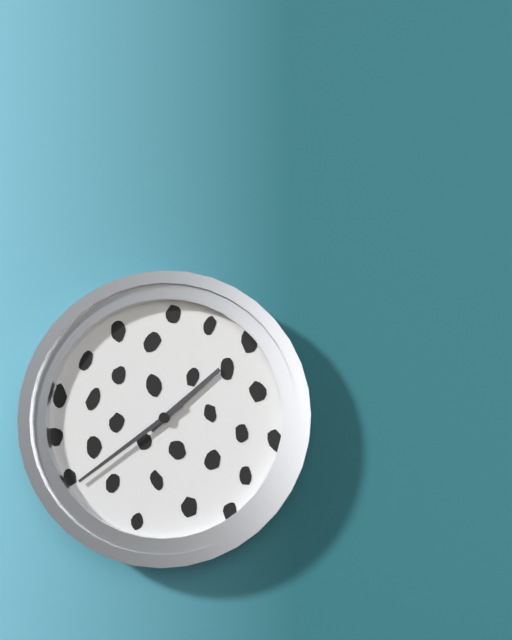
1:39
